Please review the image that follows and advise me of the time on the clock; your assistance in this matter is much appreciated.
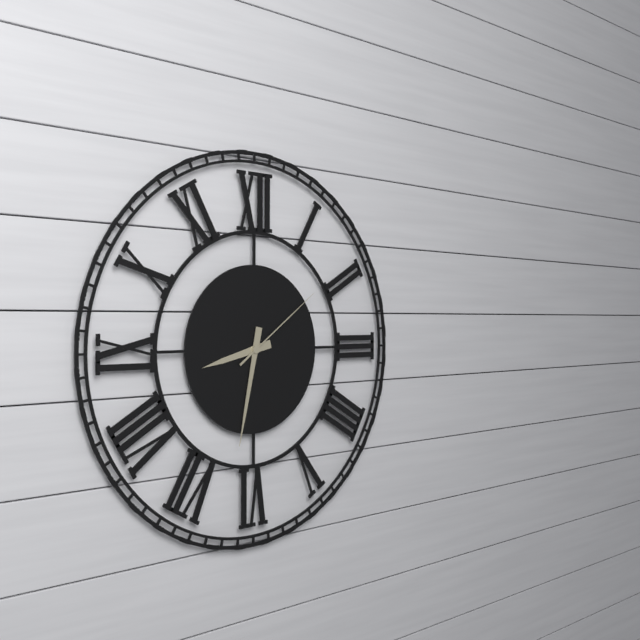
8:32:09
